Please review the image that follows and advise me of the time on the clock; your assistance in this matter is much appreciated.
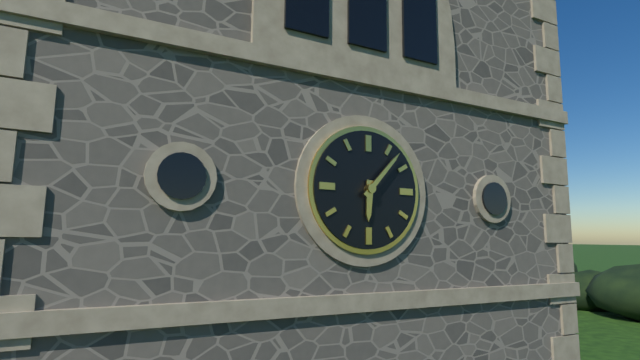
6:07
